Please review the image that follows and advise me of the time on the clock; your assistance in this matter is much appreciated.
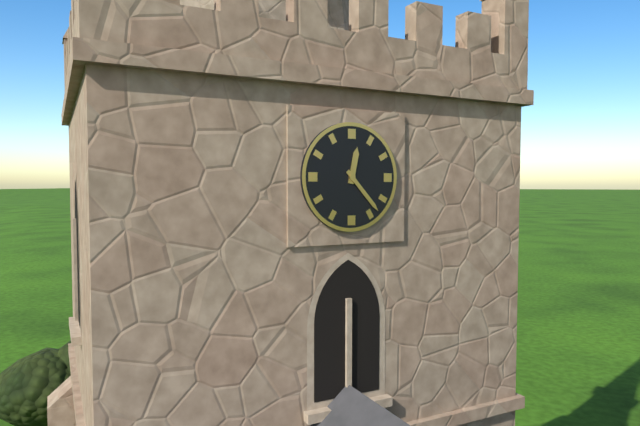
12:23
